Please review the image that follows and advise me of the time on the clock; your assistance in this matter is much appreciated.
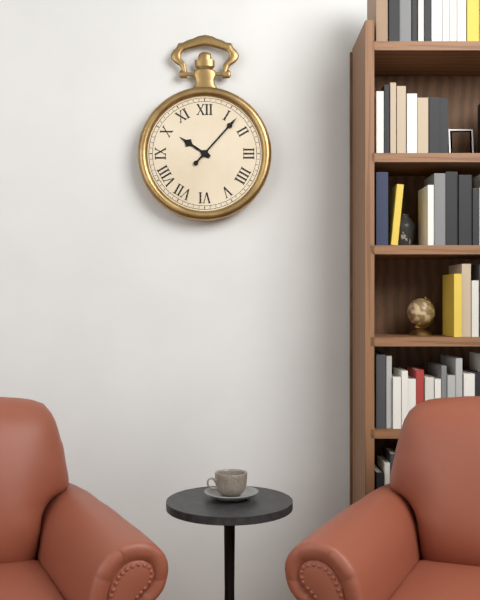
10:07
